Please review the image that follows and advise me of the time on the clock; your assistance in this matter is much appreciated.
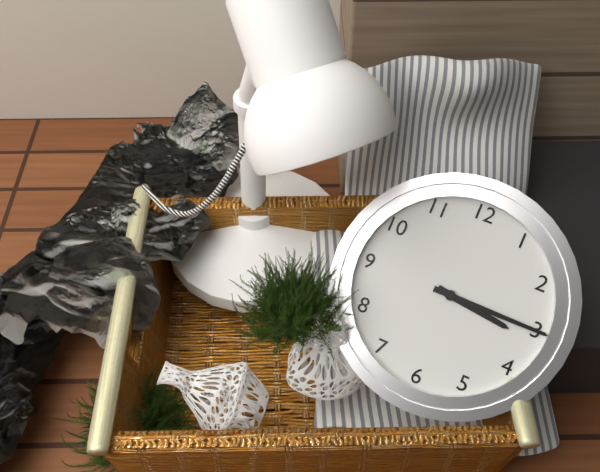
3:15
